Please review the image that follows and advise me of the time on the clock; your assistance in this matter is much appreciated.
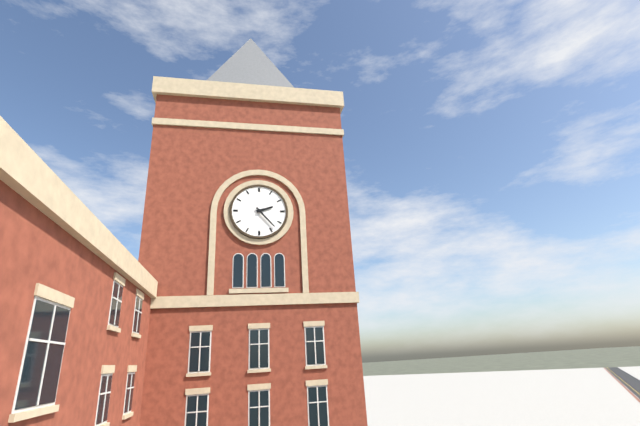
2:23
